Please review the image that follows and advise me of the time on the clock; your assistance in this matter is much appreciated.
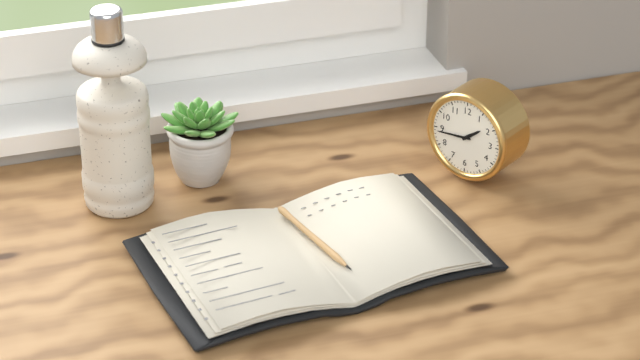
1:44
